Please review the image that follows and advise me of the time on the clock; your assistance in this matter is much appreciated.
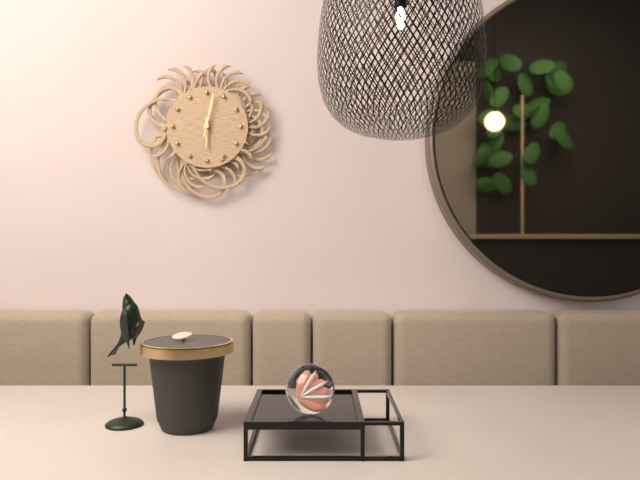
6:02
